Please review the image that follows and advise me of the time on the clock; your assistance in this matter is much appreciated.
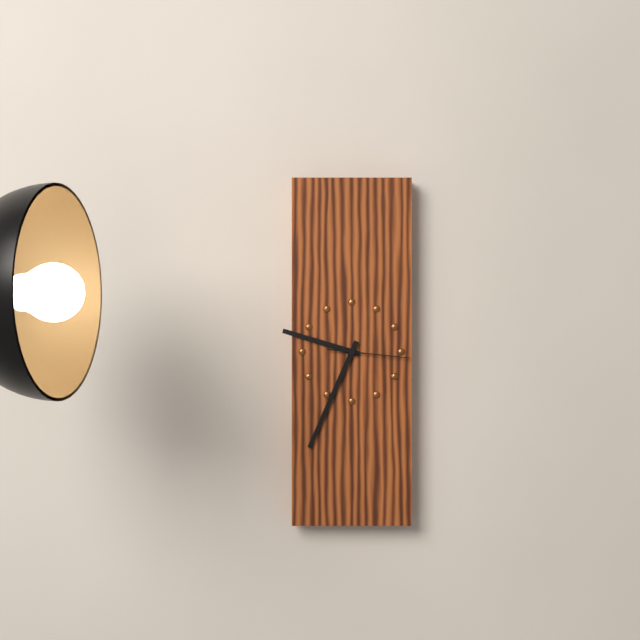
9:34:16
